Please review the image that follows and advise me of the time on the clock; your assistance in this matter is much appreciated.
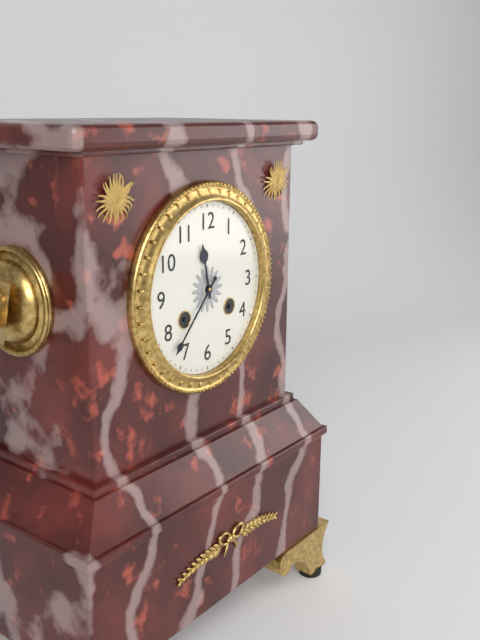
11:37
